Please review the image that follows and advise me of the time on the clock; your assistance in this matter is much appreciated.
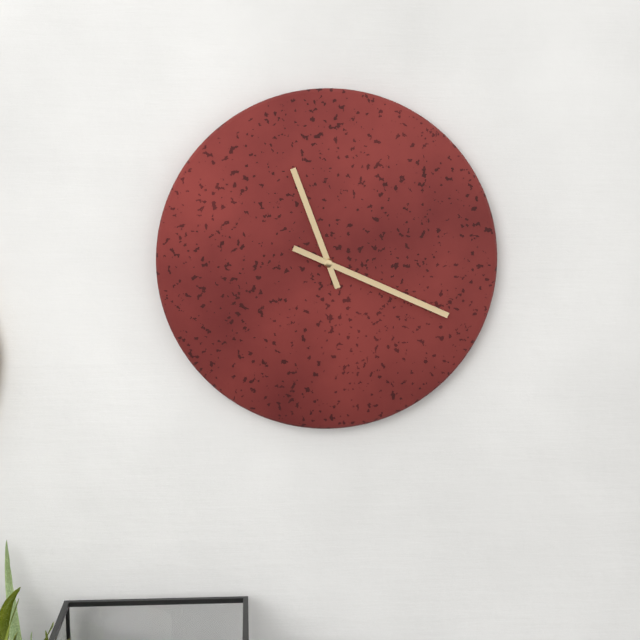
11:19
